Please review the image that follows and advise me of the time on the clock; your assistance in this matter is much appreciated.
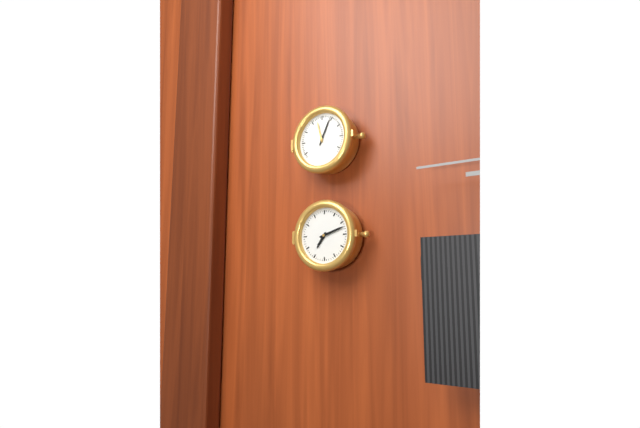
7:12
